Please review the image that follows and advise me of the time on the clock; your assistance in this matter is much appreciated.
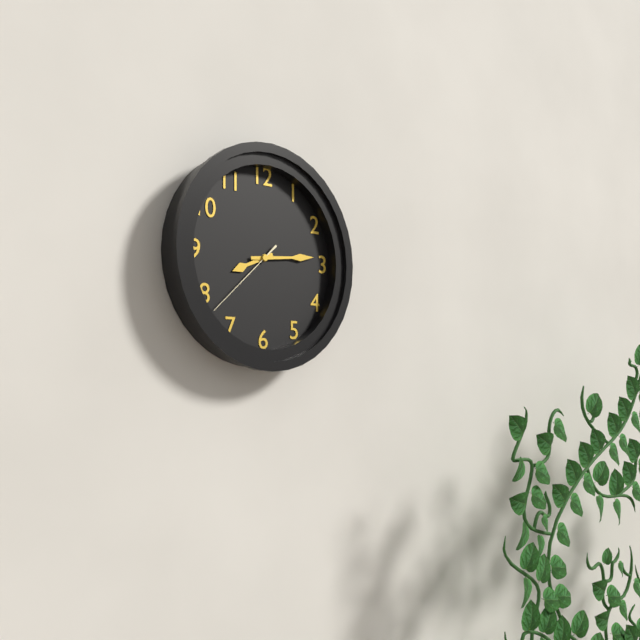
8:14:38
